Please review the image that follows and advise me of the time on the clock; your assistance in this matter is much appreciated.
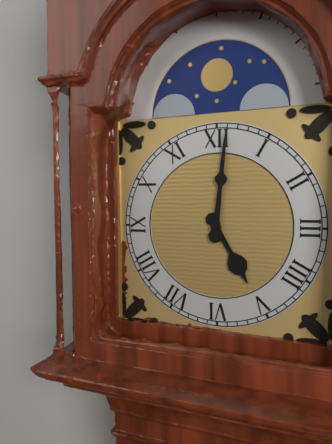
5:01
